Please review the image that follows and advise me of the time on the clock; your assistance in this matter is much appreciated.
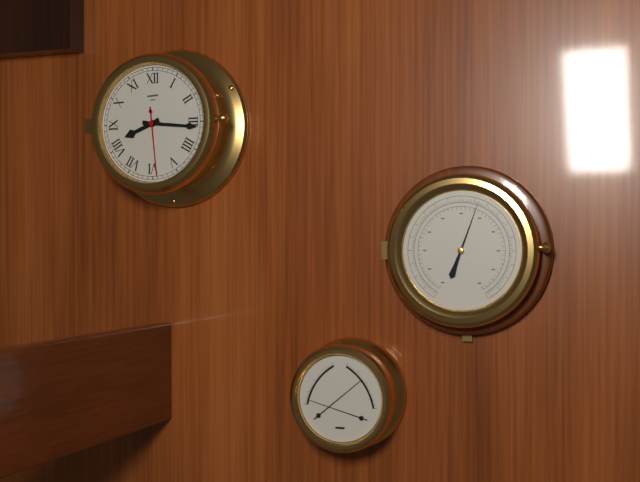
8:16:29
